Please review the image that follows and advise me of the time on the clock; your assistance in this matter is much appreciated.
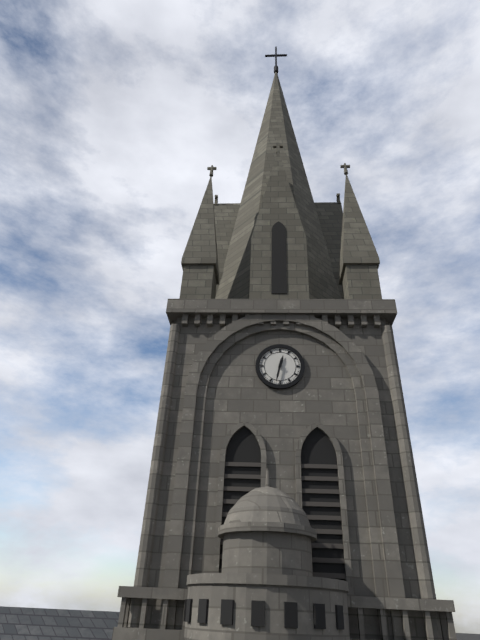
12:32
